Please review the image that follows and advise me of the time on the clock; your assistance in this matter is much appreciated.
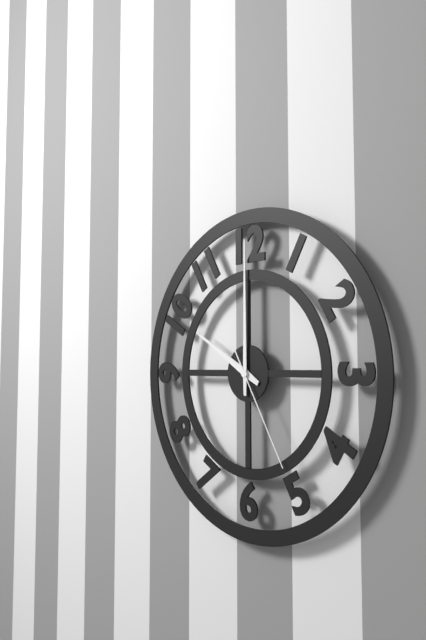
10:00:25
